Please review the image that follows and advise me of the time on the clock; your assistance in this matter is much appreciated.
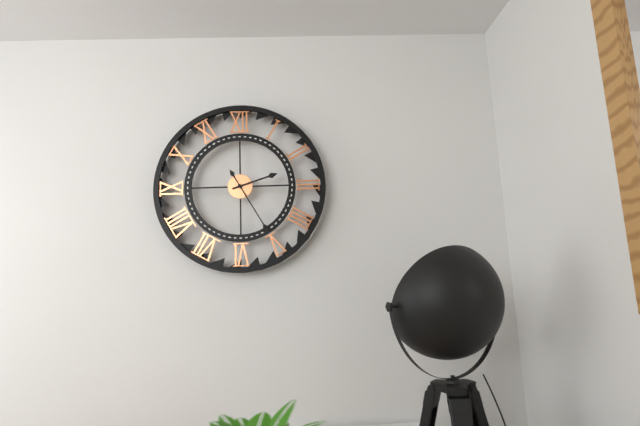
2:25
